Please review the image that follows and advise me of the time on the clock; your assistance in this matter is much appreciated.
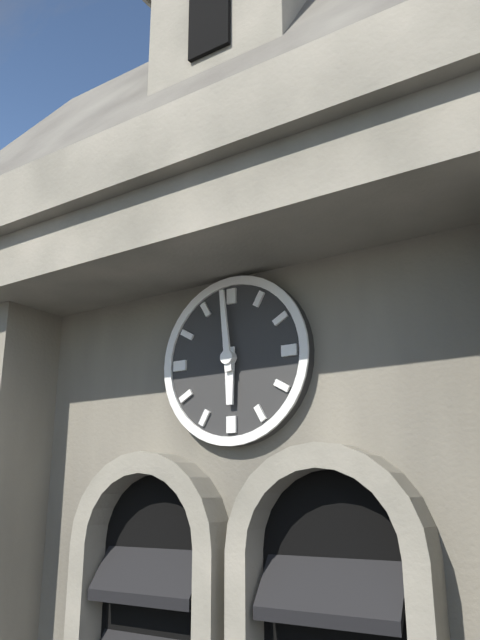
5:59
